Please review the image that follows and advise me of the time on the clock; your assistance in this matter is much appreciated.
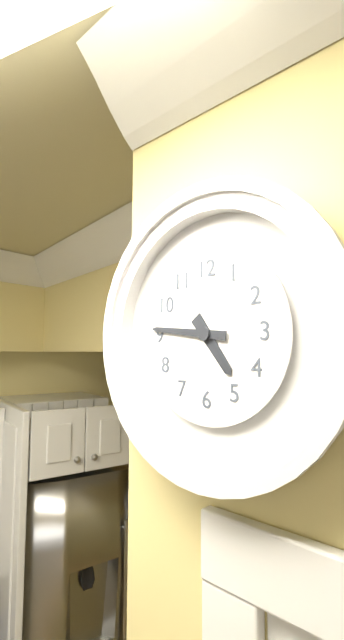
4:46
